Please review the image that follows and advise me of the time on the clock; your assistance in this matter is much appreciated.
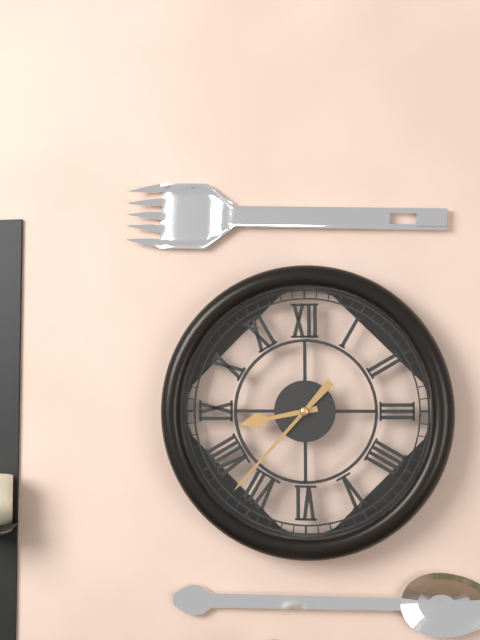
8:37
